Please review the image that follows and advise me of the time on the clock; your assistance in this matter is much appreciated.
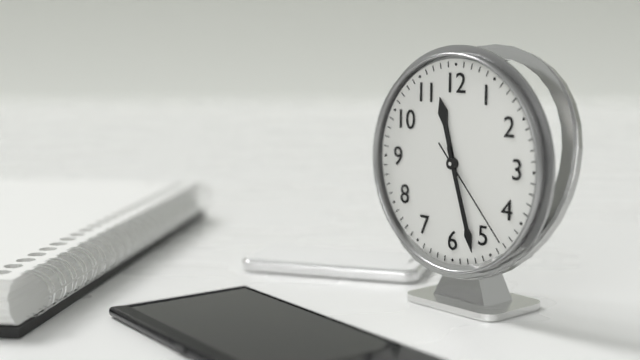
11:27:23
